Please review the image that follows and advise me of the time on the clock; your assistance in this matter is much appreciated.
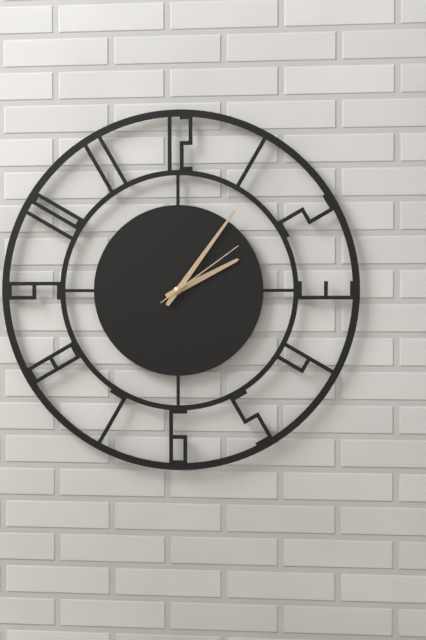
2:06:09
